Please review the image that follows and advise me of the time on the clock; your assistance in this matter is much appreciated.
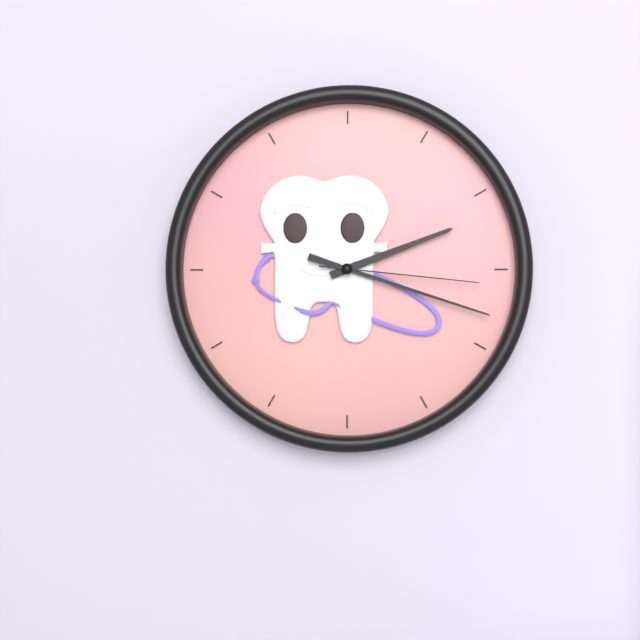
2:18:16
